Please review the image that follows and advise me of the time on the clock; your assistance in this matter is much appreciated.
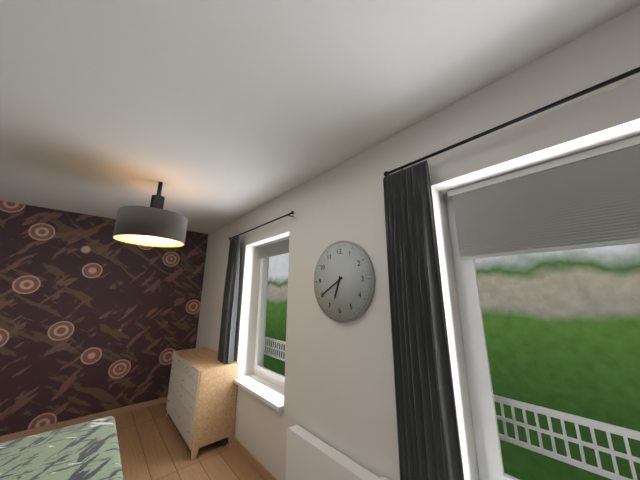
6:40
